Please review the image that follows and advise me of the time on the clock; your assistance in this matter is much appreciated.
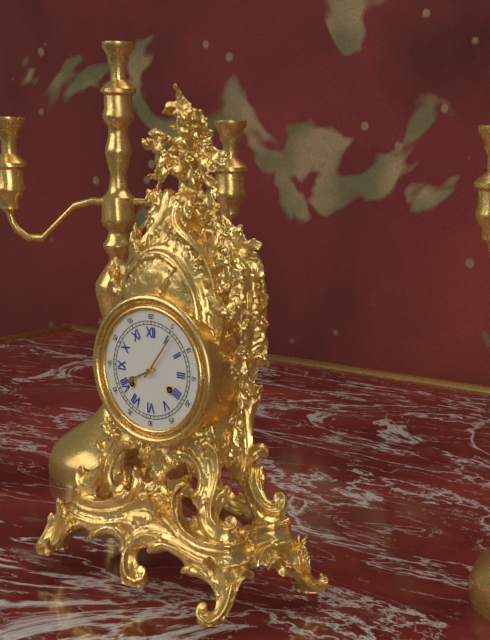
8:06
